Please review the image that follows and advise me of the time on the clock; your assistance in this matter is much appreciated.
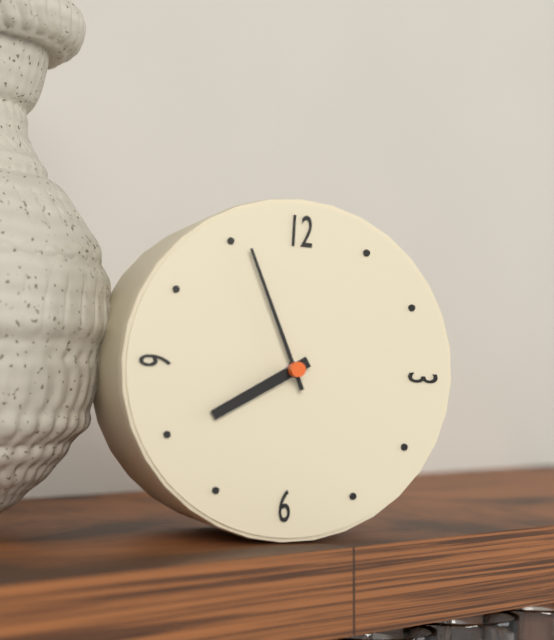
7:56
